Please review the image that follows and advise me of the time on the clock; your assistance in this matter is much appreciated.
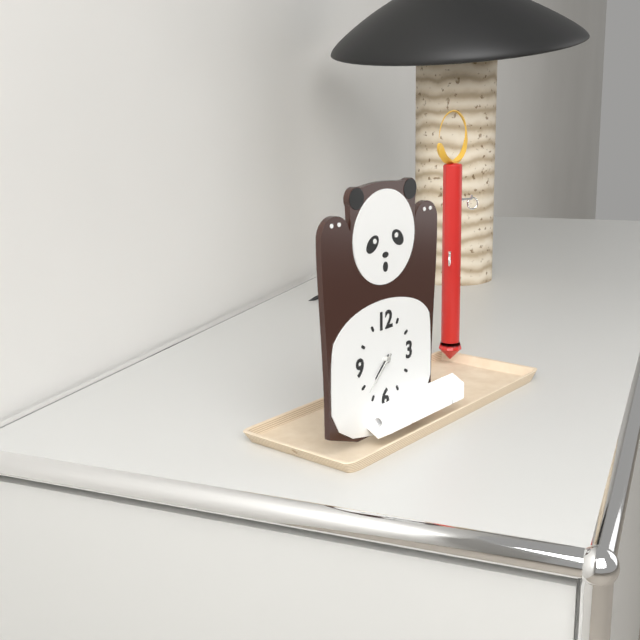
7:38
